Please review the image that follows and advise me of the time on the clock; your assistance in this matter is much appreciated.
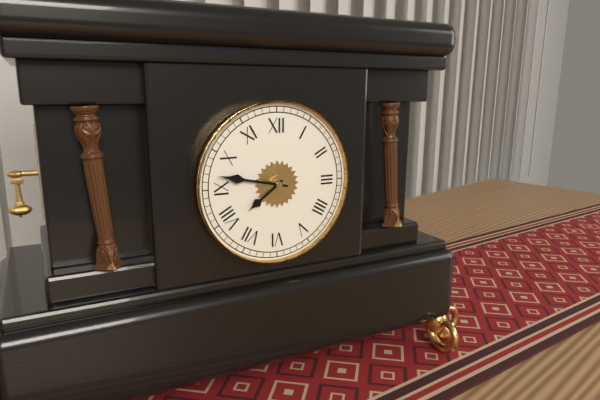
7:47
